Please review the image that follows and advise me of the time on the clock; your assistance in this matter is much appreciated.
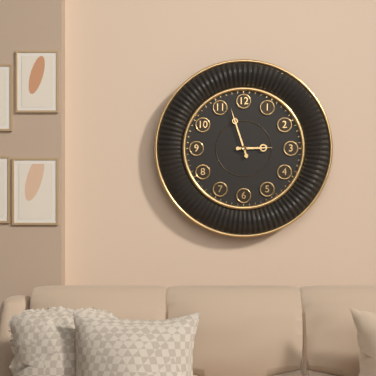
2:57
